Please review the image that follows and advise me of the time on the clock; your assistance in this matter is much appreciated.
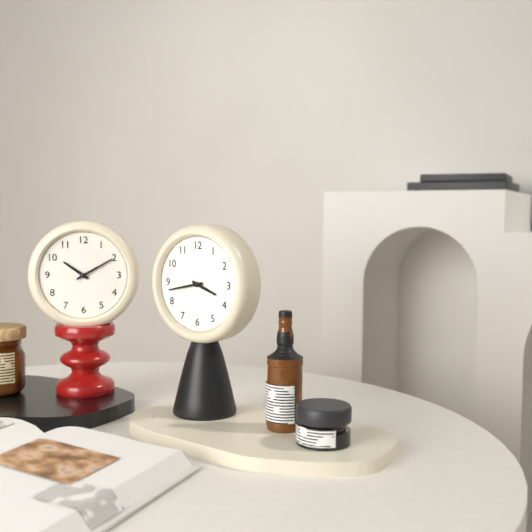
3:43
